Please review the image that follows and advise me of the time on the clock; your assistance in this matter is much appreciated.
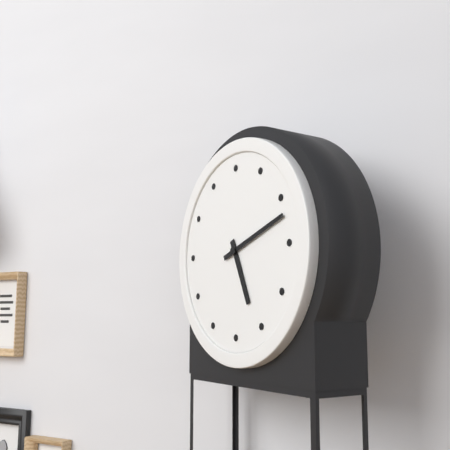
5:12
